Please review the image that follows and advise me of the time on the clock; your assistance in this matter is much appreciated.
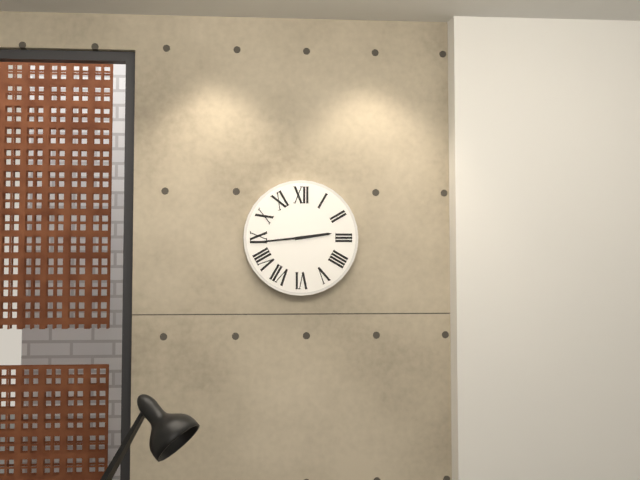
2:44
